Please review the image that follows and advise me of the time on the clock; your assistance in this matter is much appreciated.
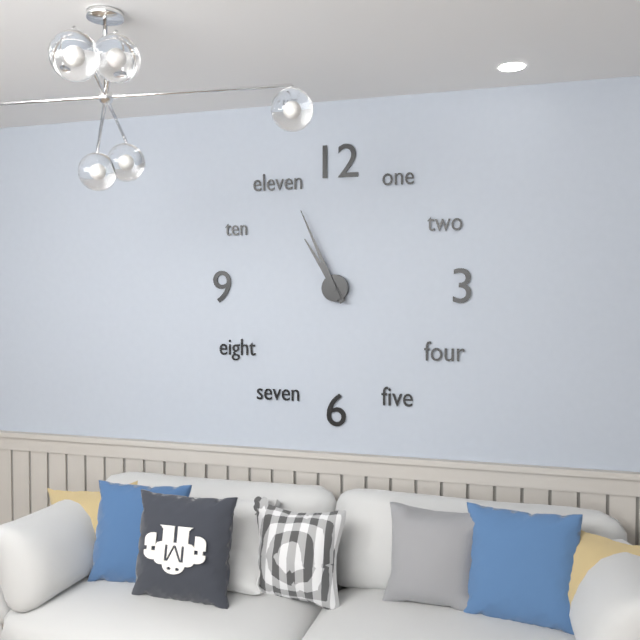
10:56
